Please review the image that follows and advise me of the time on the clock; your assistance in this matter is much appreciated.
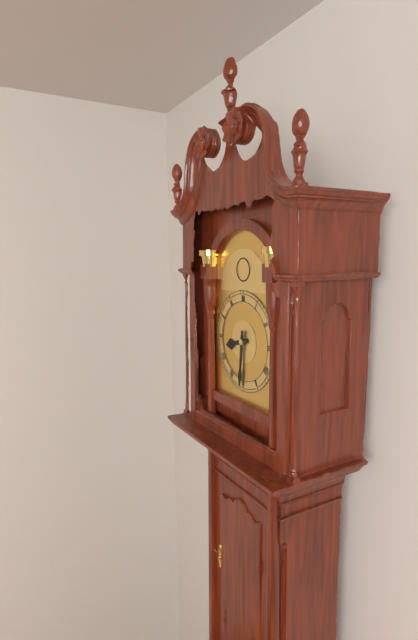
8:31
